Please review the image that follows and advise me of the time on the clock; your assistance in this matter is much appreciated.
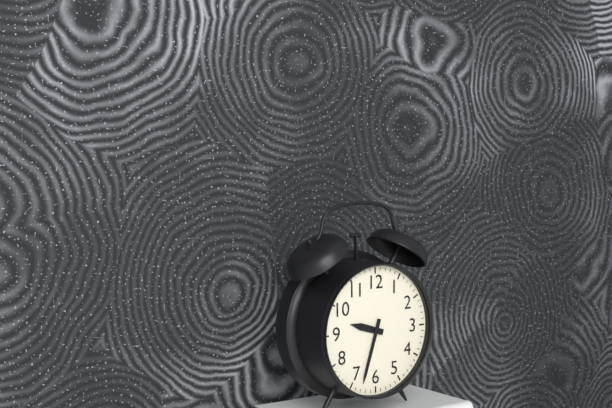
9:33
